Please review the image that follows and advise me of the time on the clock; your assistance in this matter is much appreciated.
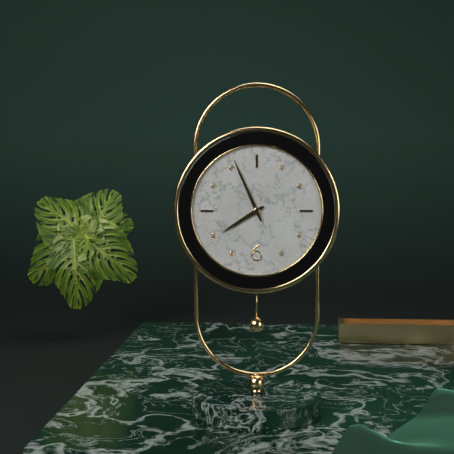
7:56
